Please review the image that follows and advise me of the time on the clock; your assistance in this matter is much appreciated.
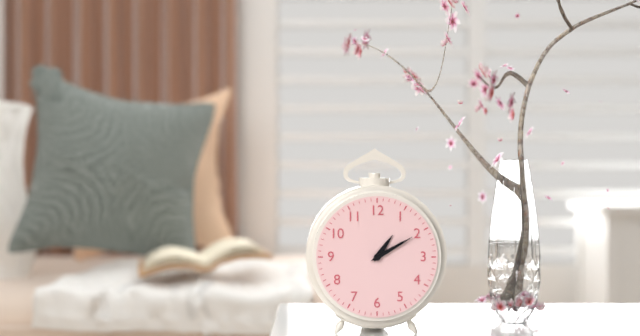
1:10
